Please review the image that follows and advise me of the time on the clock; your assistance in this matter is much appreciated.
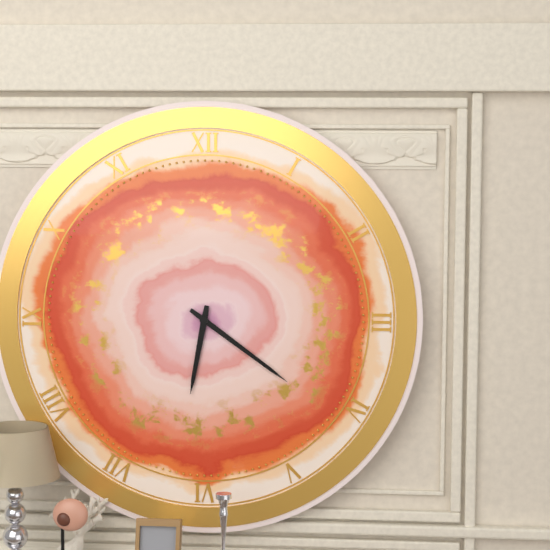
6:21
